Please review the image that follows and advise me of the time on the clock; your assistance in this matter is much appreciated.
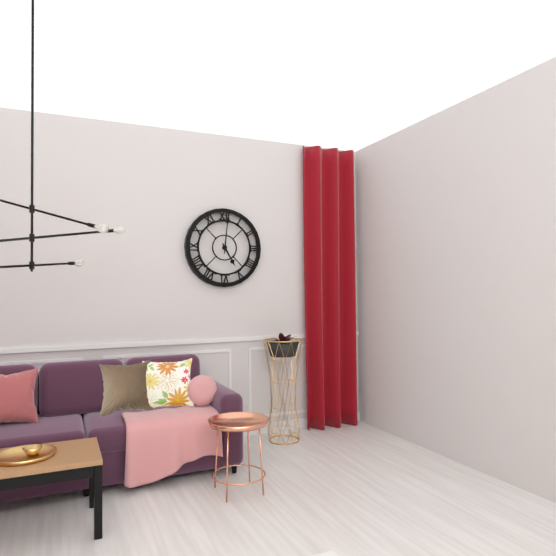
5:01
